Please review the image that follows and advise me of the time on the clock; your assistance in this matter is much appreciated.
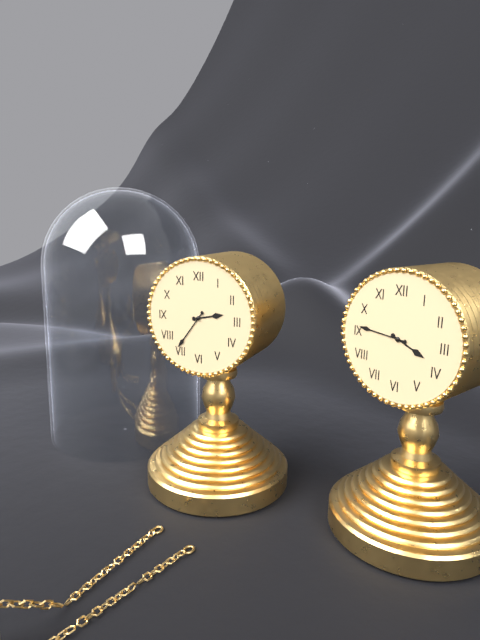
2:36
